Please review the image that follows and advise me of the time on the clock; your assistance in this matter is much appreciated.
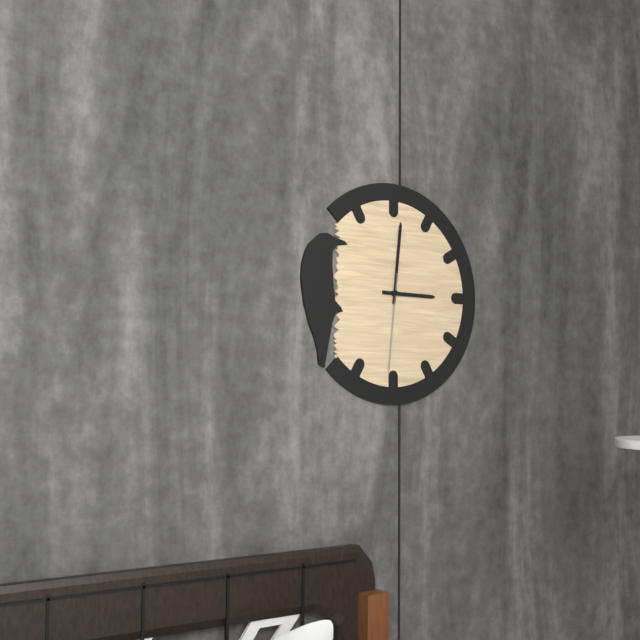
3:01:31
